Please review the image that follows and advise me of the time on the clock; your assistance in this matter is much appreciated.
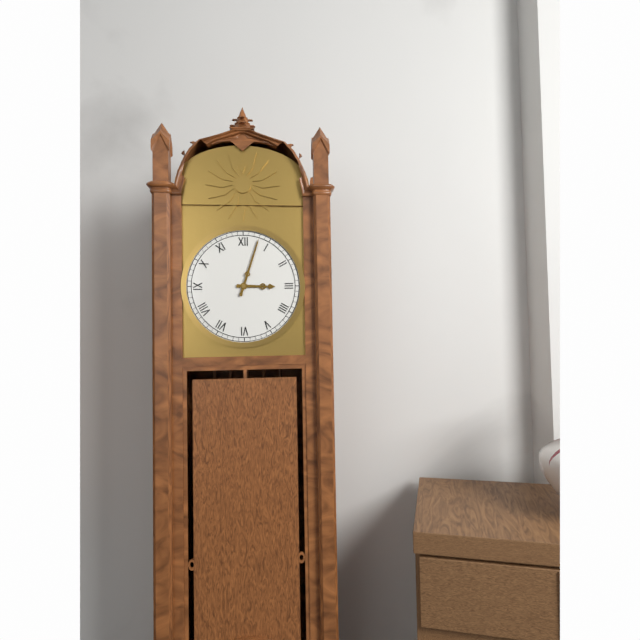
3:03
